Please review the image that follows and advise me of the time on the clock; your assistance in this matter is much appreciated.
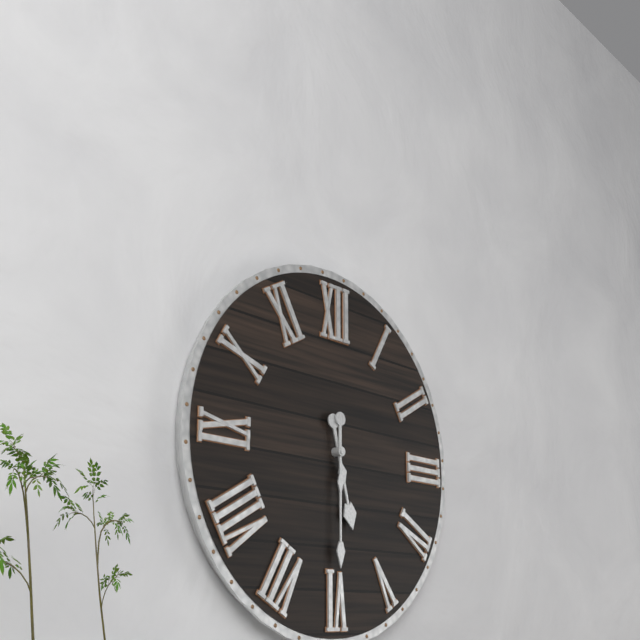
5:30
